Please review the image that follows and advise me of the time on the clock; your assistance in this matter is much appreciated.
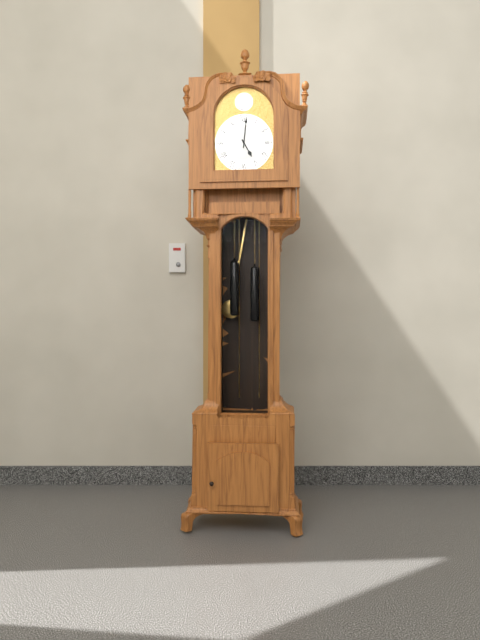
5:01
